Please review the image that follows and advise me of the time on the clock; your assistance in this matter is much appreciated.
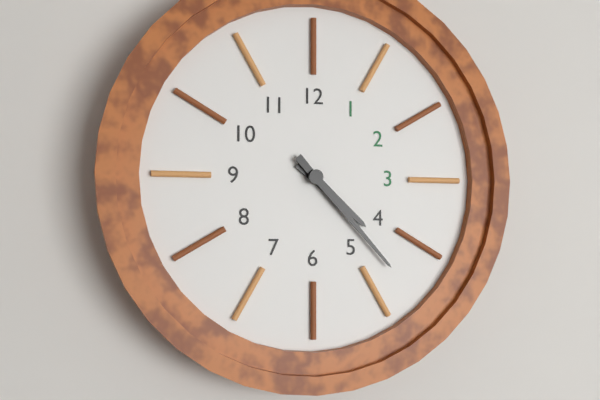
4:23
